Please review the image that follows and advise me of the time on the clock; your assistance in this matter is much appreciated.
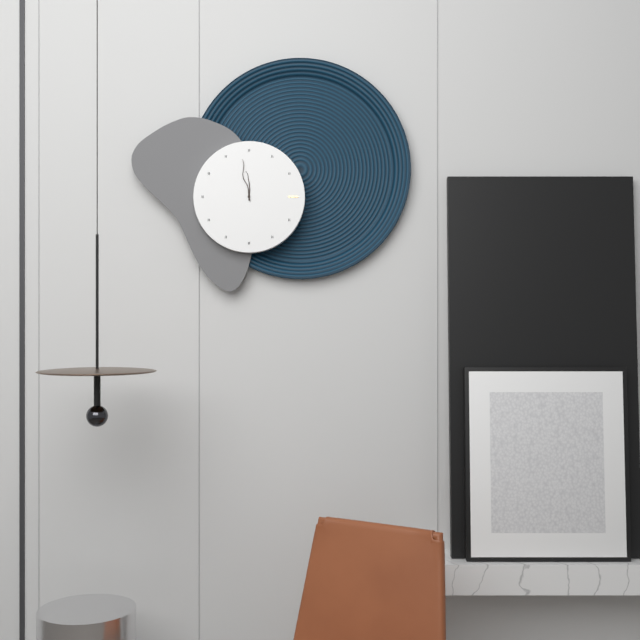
11:58
